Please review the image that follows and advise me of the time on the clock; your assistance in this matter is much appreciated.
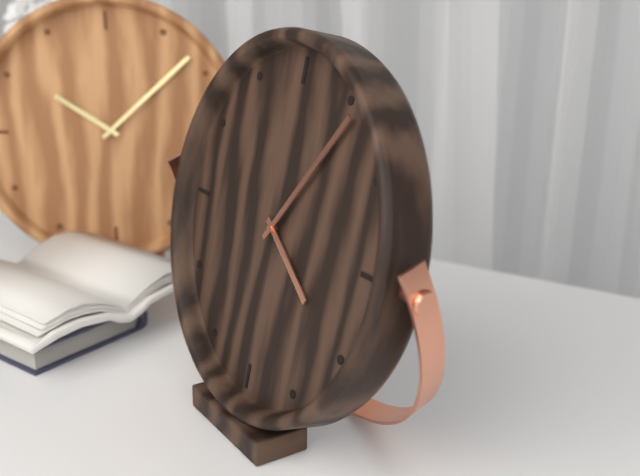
4:06
